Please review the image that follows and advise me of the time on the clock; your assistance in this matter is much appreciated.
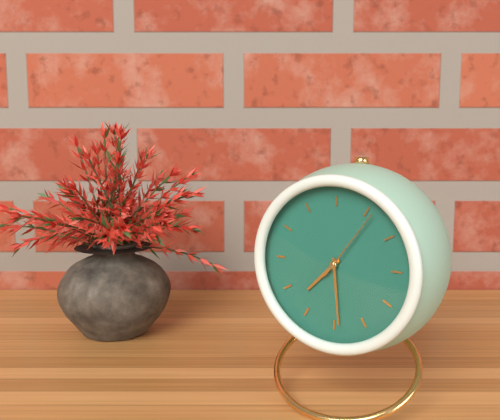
7:29:06
